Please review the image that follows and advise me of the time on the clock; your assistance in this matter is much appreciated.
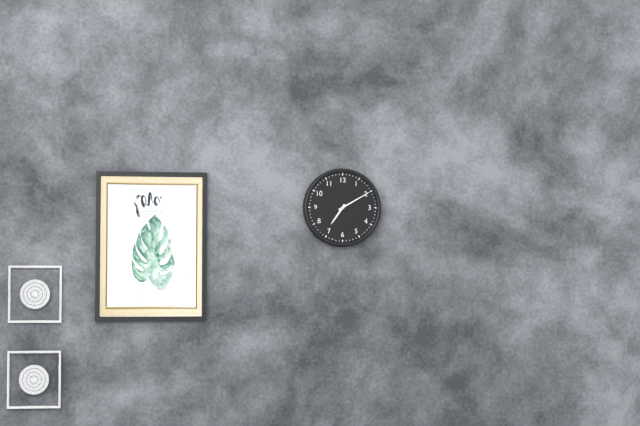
7:10
